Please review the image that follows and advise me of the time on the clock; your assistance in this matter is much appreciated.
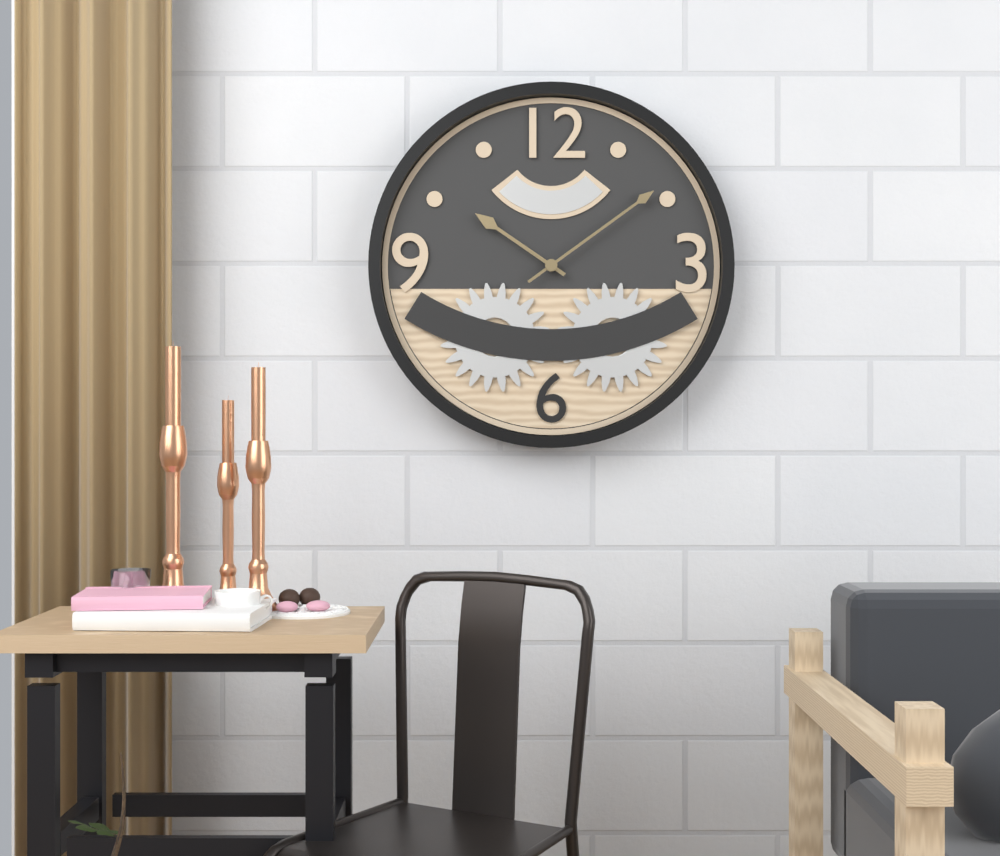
10:09
